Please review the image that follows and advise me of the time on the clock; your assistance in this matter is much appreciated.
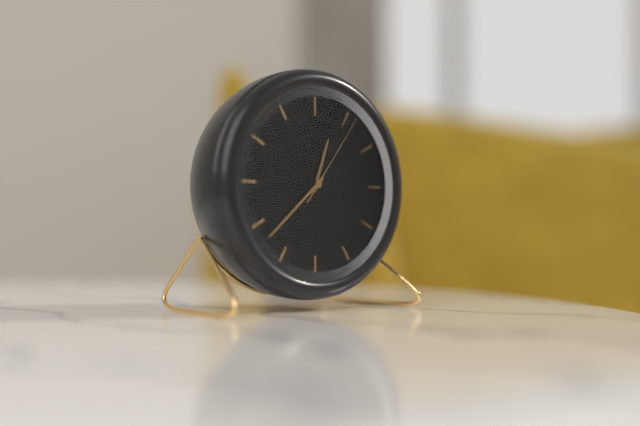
12:38:06
